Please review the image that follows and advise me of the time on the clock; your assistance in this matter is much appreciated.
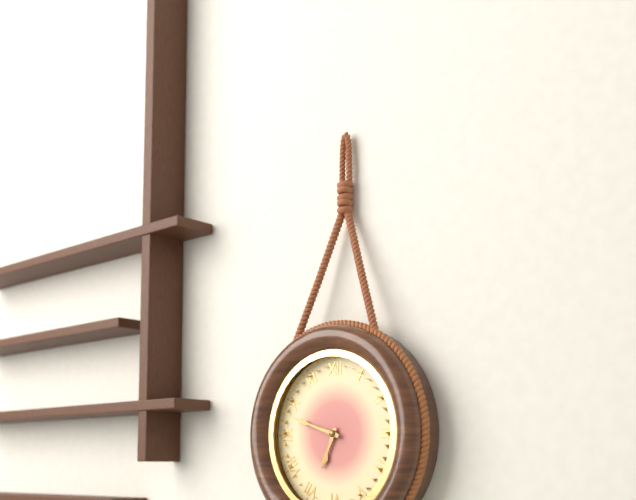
6:48
